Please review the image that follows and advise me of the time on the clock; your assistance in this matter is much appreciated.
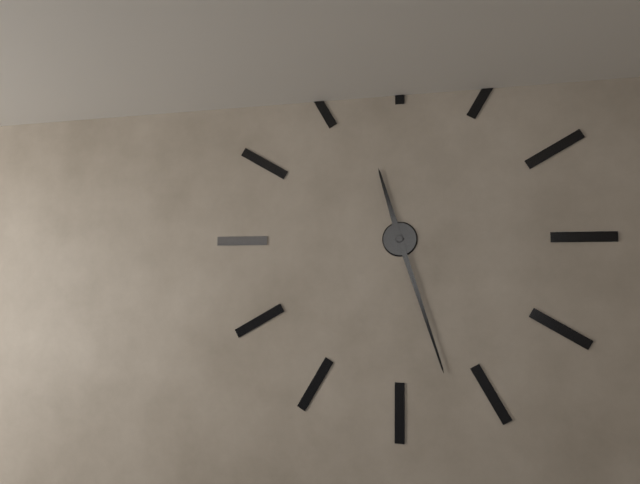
11:27
